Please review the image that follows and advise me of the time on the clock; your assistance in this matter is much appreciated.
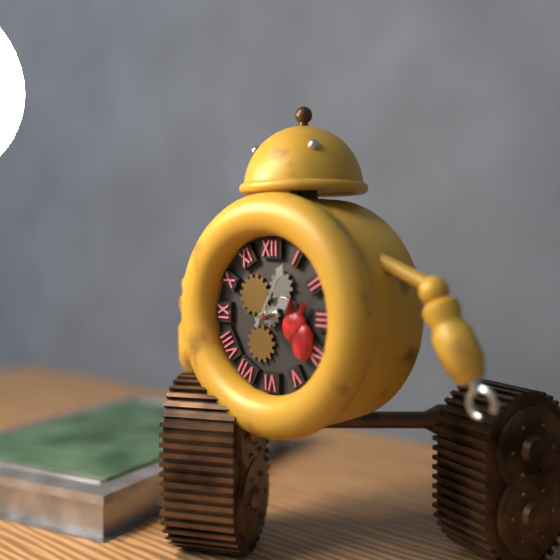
2:05
